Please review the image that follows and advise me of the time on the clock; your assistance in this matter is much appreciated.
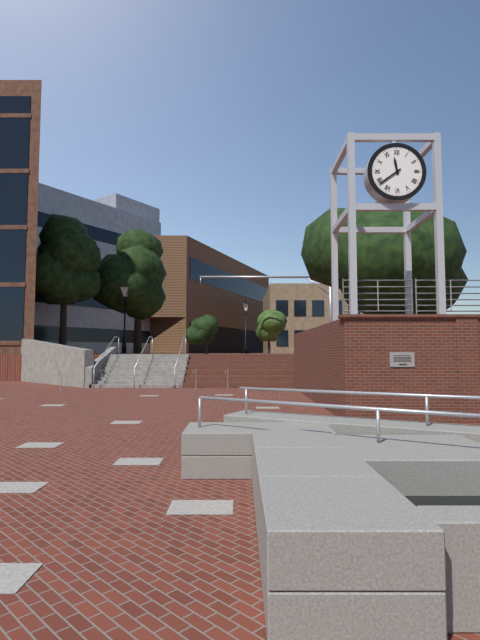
11:39
